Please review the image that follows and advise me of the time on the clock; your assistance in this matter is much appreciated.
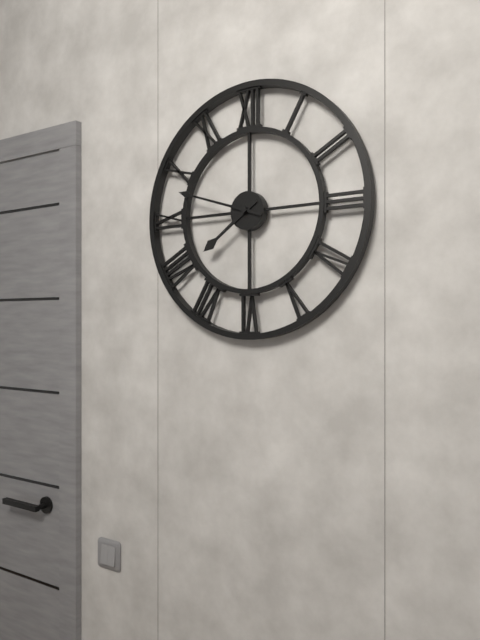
7:48
